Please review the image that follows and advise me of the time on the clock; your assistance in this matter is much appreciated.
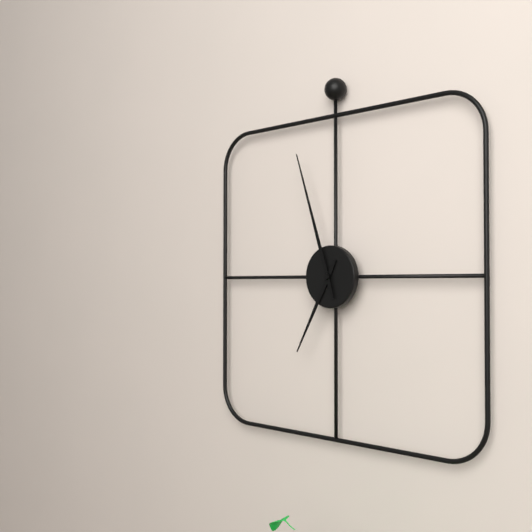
6:57
